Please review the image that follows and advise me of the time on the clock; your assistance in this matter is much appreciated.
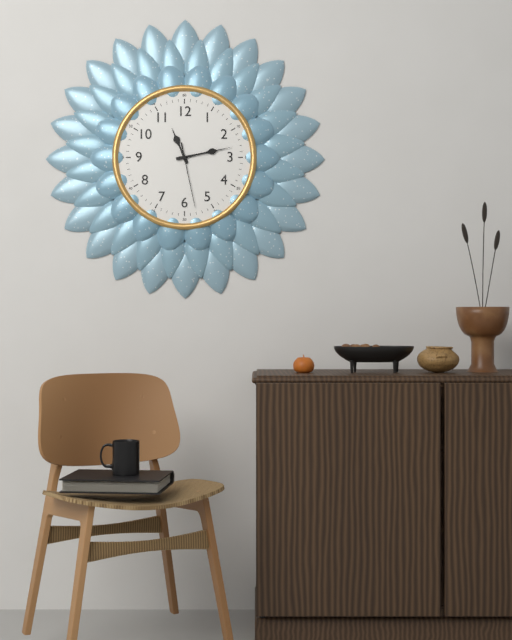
11:13:28
